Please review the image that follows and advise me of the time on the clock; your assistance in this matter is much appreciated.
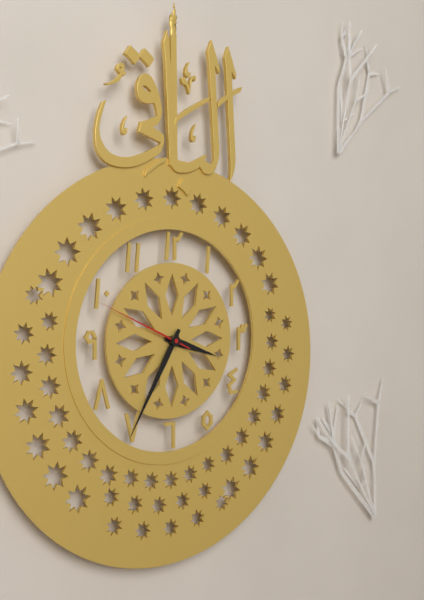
3:35:49
